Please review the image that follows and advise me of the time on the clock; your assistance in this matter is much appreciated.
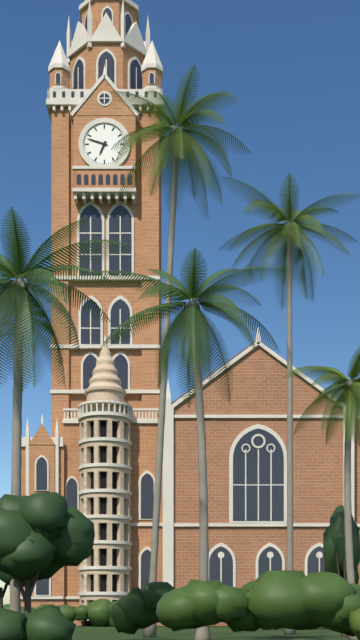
6:48
